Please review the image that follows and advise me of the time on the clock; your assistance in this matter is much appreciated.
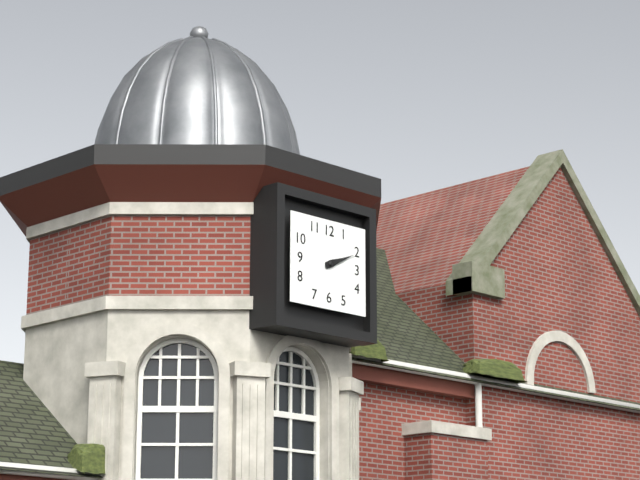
2:11
